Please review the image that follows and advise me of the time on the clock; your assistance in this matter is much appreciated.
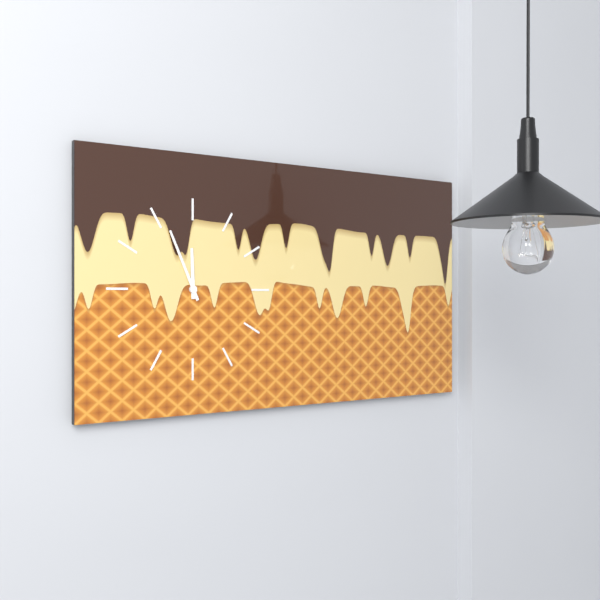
11:56
